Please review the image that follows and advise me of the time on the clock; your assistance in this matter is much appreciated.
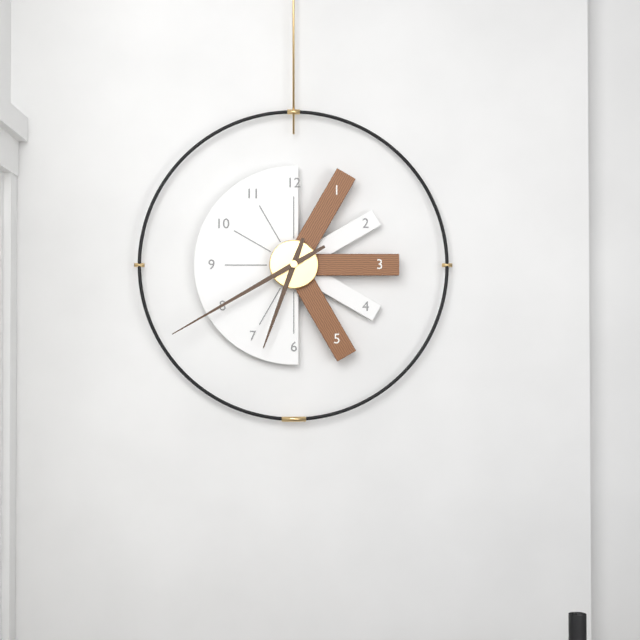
6:40
